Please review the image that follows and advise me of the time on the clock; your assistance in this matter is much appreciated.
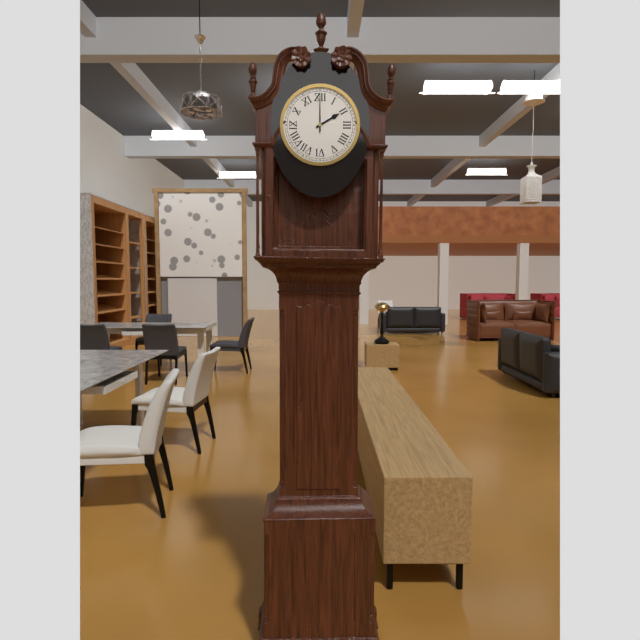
2:00
